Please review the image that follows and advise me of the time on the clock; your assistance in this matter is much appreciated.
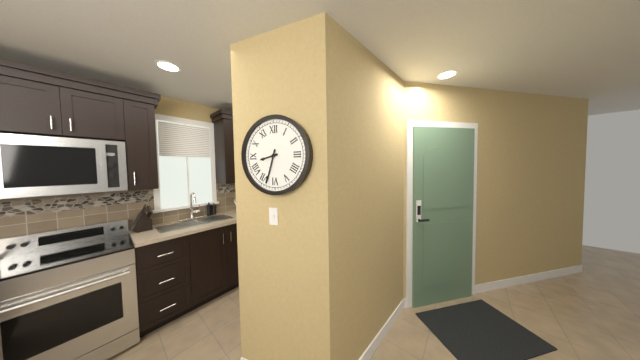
8:33
